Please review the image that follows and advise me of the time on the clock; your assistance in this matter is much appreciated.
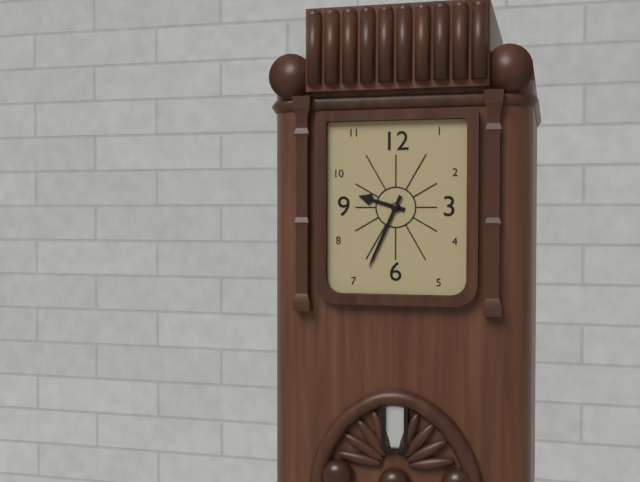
9:34
